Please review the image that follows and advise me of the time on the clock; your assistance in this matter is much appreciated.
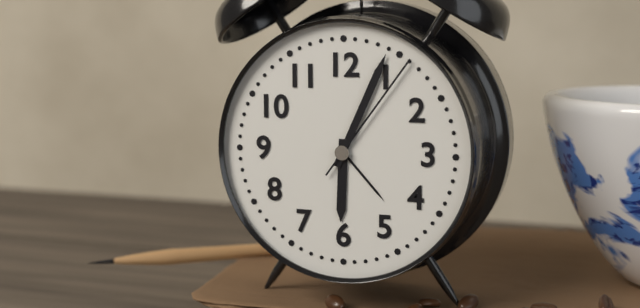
6:04:06
